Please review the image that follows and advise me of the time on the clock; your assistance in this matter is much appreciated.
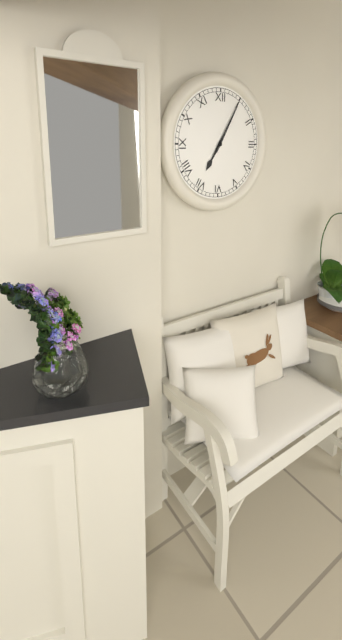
7:05
